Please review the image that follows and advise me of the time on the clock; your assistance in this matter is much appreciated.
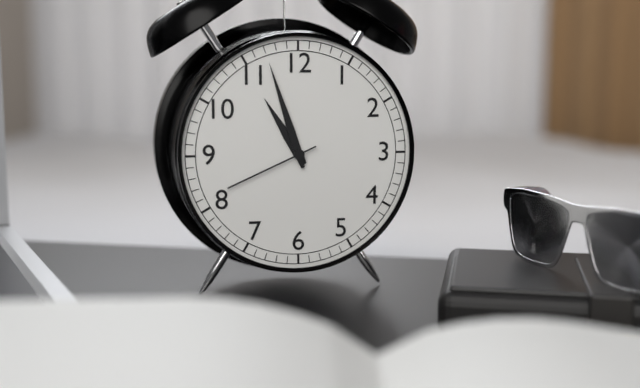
10:57:41
